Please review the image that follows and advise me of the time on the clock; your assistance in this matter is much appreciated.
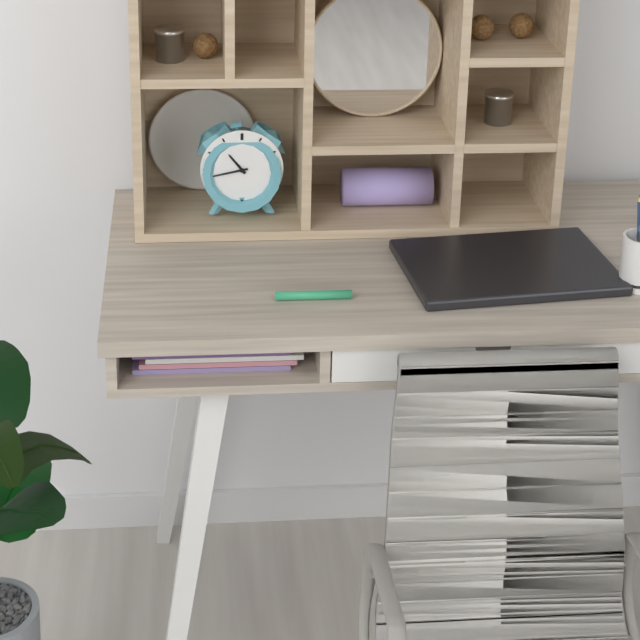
10:43
